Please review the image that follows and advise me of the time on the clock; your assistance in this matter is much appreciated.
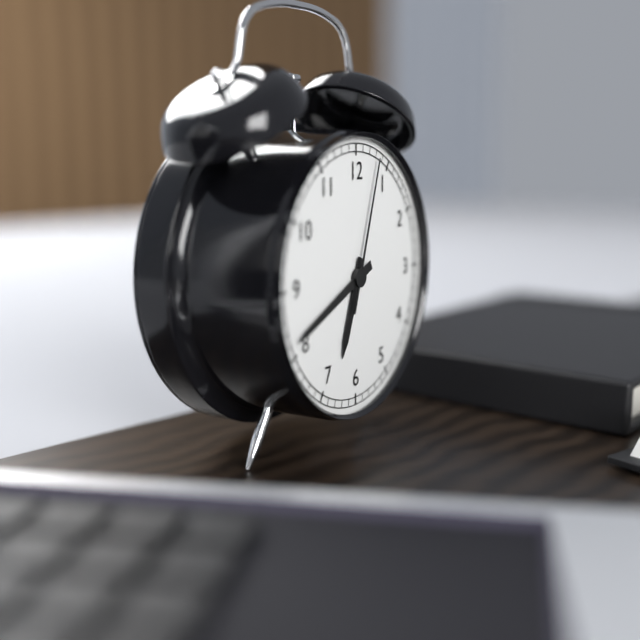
6:41:03
